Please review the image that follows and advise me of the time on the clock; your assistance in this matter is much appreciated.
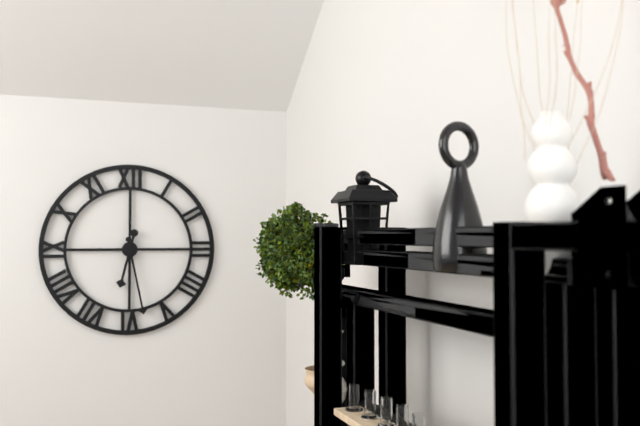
6:28
